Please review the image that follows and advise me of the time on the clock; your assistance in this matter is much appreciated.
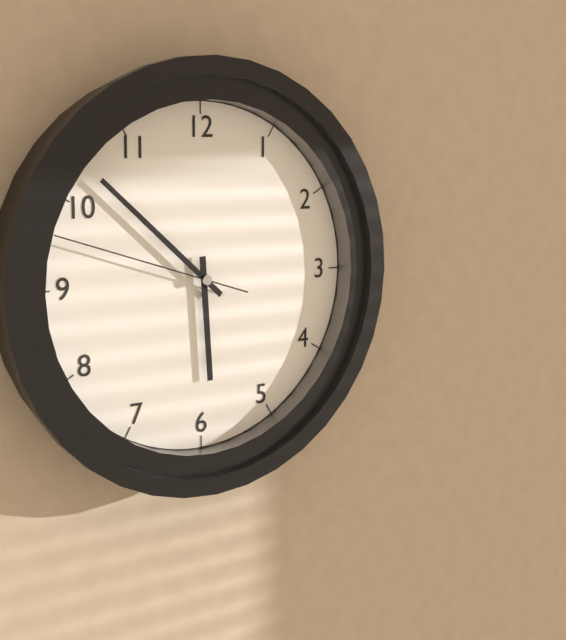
5:52:48
